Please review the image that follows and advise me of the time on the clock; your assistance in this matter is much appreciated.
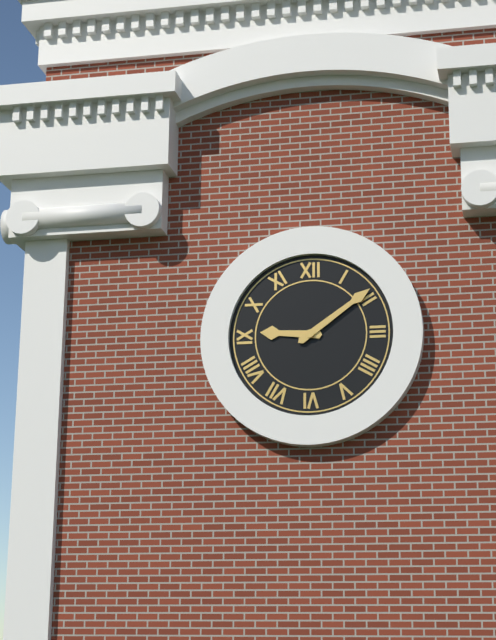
9:09
